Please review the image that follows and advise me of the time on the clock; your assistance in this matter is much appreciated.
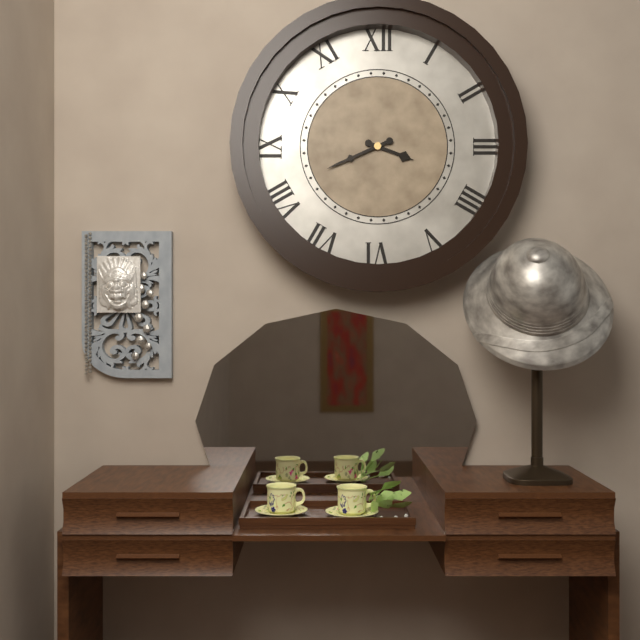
3:41
